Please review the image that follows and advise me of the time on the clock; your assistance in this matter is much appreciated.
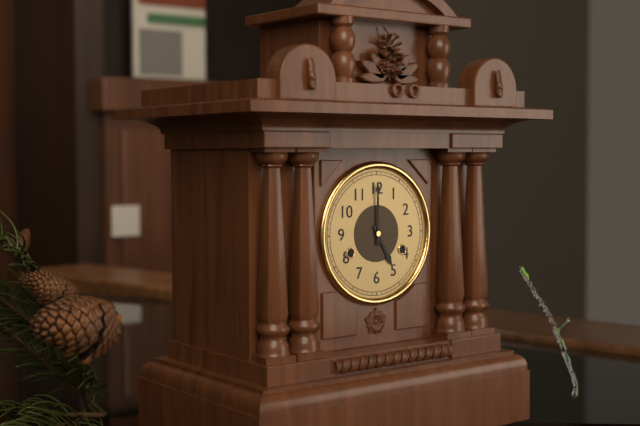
5:00
